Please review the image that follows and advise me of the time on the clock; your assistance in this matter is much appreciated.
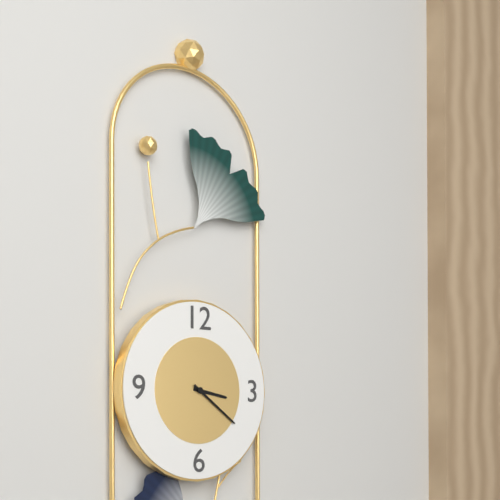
3:21
